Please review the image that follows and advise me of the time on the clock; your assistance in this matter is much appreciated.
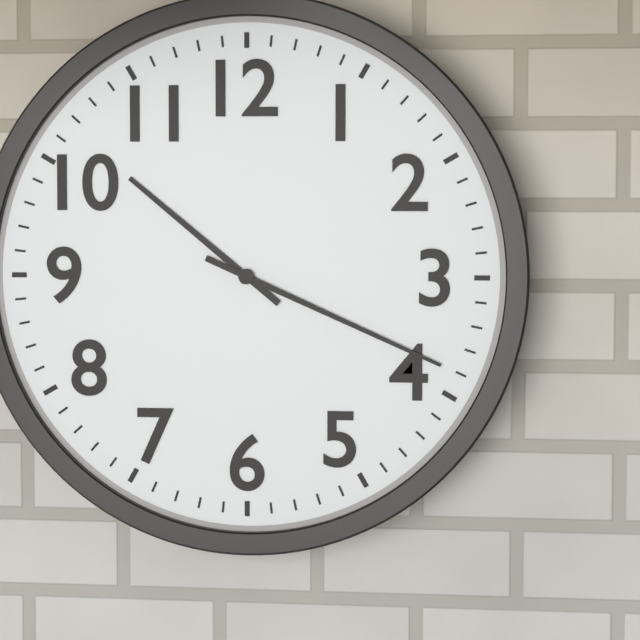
10:19
